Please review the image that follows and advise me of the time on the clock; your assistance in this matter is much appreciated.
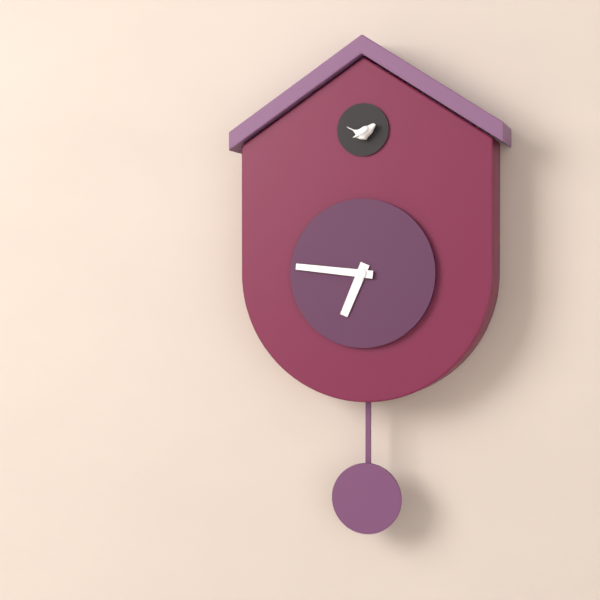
6:46
